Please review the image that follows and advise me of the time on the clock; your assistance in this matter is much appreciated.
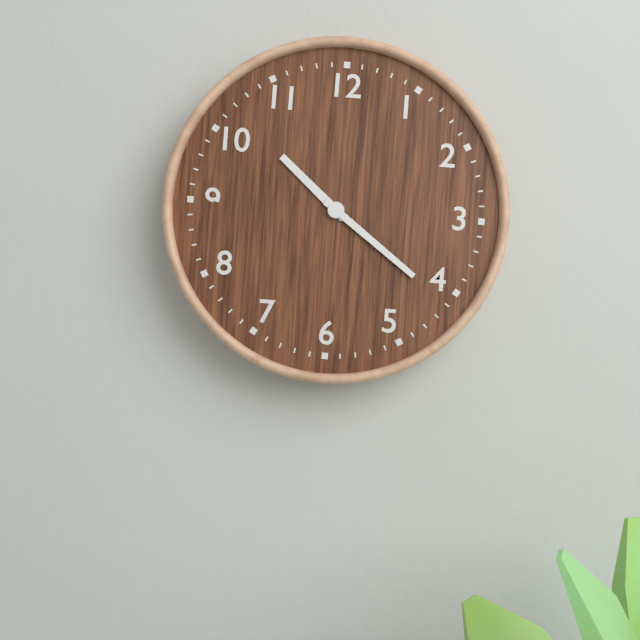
10:21
